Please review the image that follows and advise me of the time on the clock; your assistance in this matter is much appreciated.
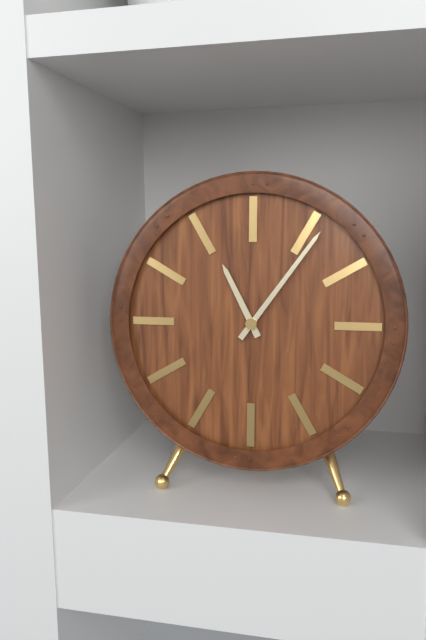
11:06
